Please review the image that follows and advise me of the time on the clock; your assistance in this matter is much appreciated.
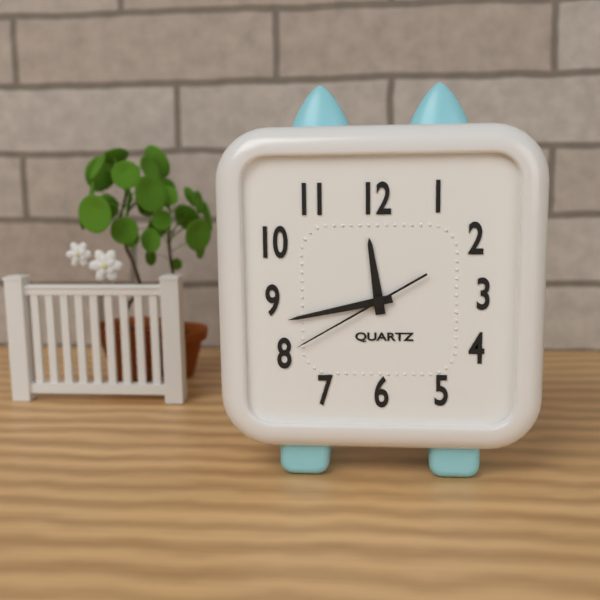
11:43:40
